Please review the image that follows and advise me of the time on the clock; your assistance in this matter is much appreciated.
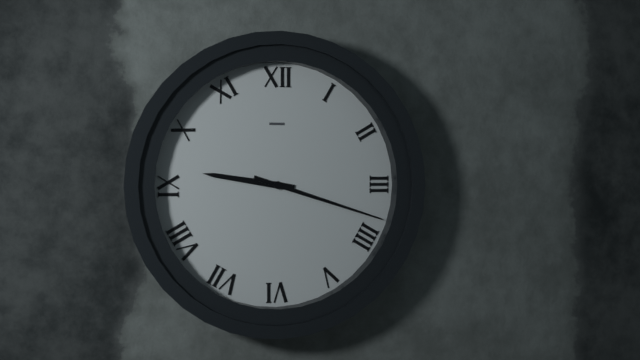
9:18
